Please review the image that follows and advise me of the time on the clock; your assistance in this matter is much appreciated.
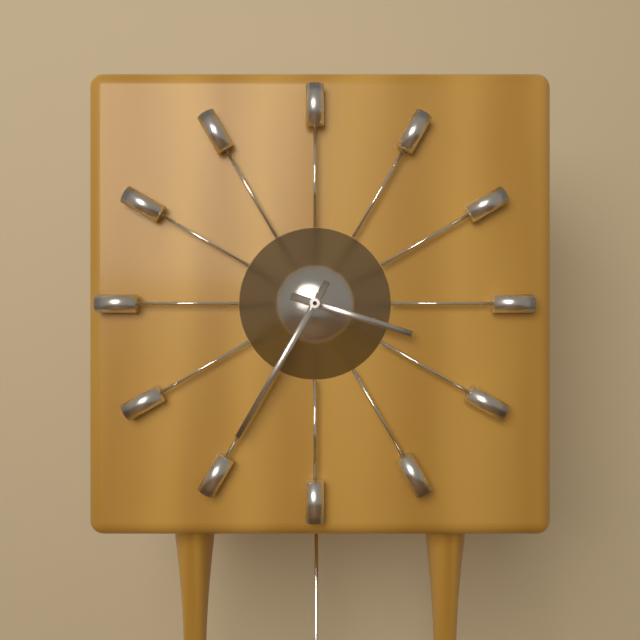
3:35
